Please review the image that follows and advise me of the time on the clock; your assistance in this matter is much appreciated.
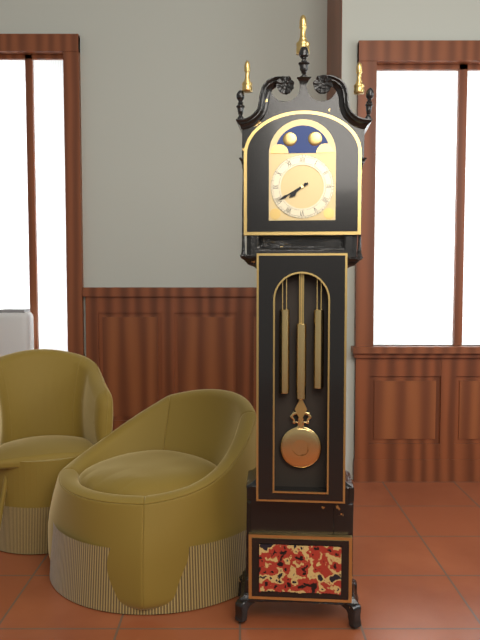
7:40
